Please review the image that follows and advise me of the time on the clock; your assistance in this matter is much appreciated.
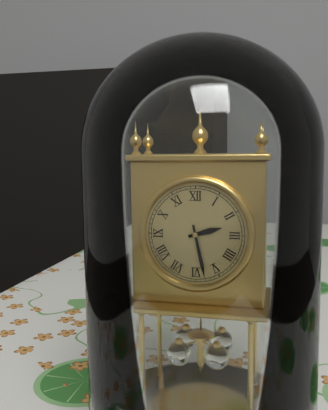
2:28
